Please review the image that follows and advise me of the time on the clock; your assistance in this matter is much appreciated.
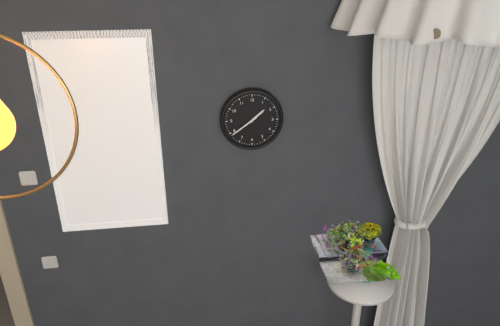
1:39
